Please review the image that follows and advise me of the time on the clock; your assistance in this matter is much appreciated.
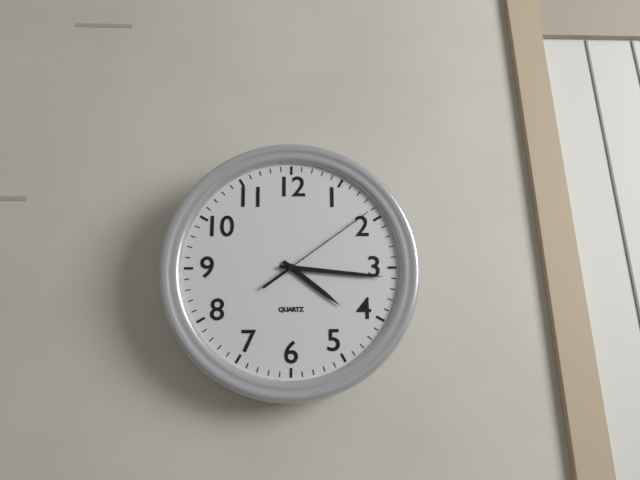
4:16:09
